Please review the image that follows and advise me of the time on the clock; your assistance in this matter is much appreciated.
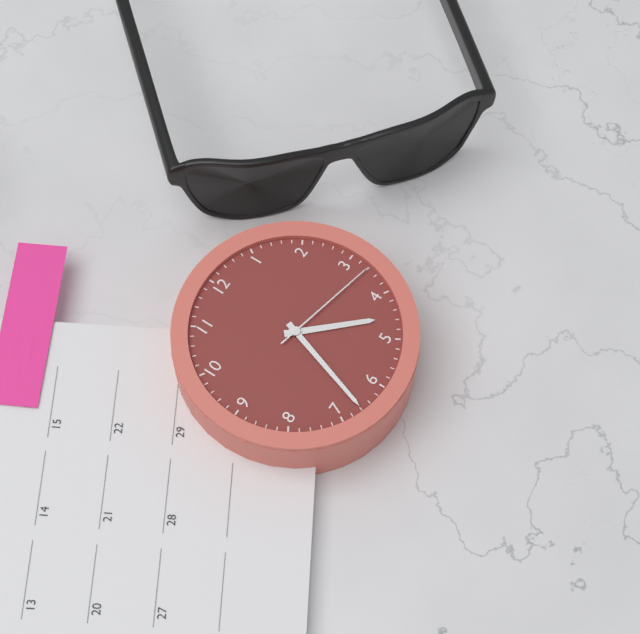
4:33:17
